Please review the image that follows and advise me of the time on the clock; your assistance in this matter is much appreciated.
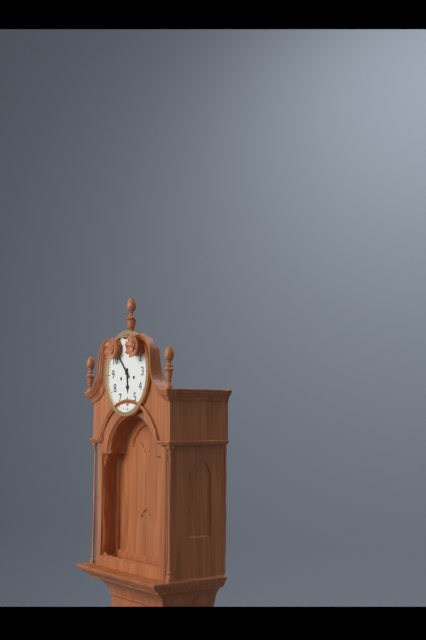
5:53
